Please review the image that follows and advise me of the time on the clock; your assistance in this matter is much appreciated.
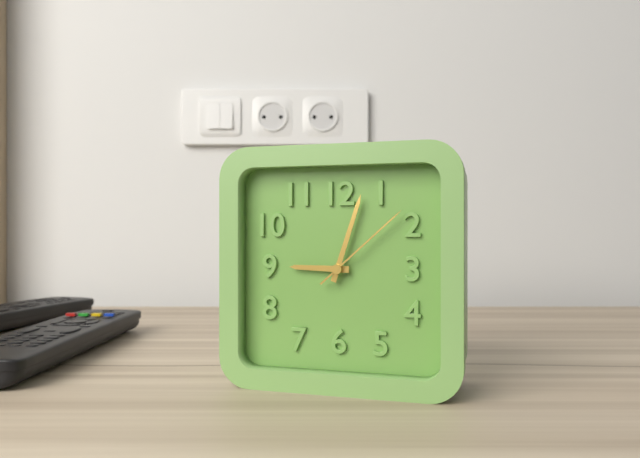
9:03:08
